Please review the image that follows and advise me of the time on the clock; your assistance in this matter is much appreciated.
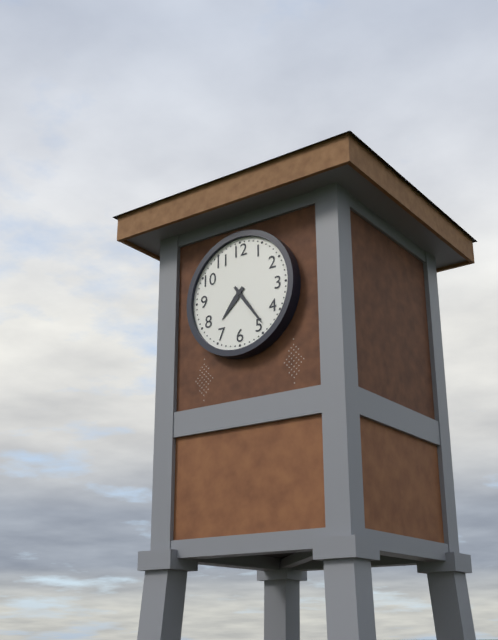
7:24
